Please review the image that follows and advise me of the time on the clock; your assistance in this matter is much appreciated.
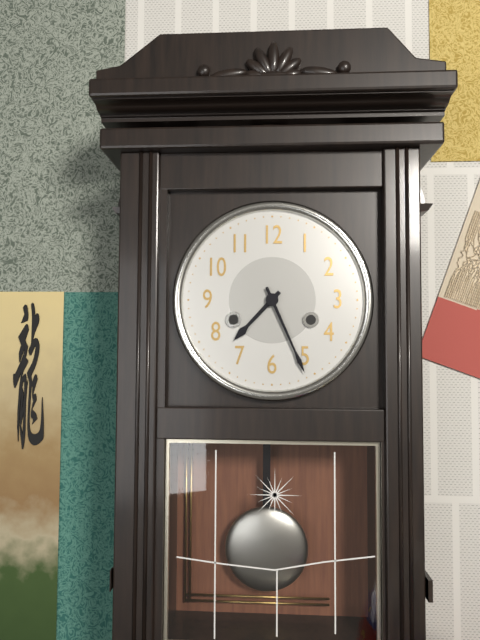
7:26
